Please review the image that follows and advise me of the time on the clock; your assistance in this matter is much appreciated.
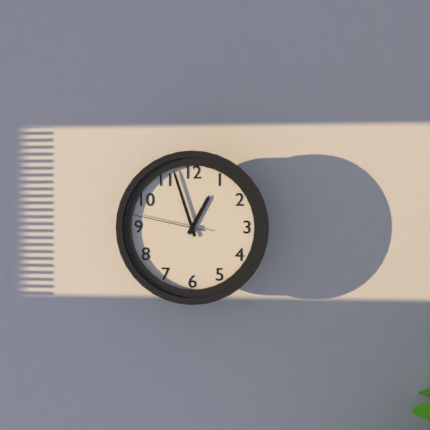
12:57:47
